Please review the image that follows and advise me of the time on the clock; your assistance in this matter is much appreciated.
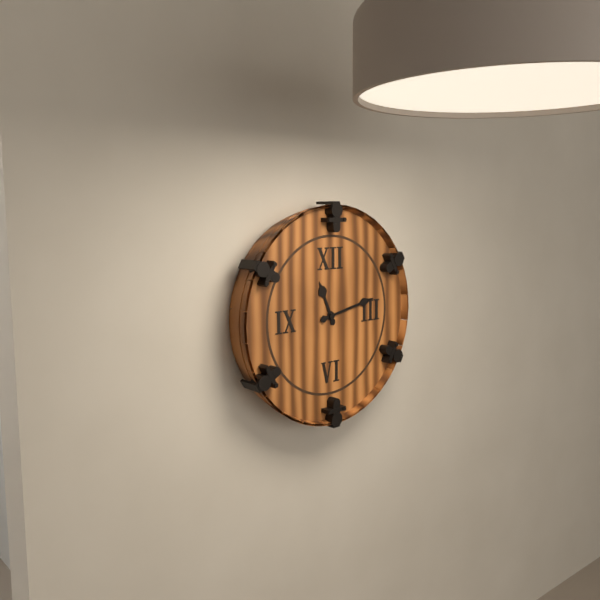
11:13
